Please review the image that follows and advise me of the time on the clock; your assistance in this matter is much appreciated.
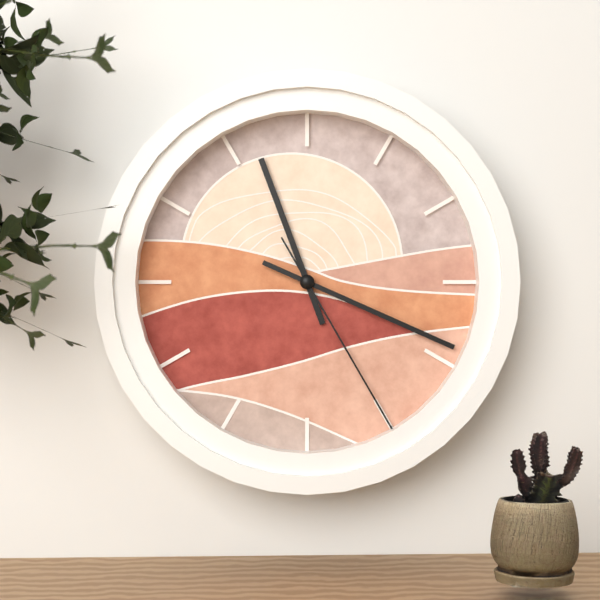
11:19:25
